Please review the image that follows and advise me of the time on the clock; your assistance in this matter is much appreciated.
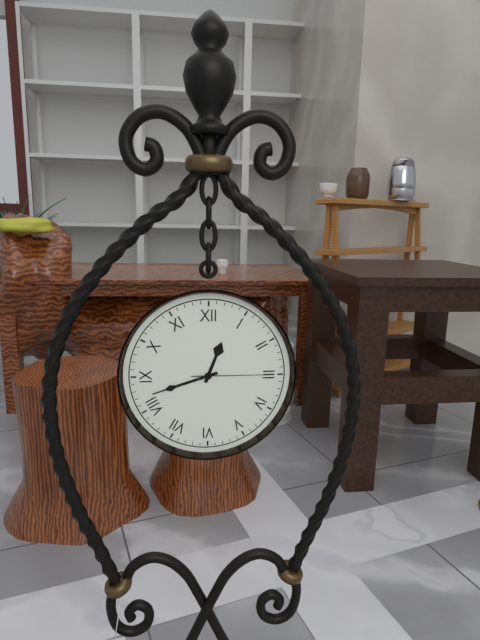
12:42:15
